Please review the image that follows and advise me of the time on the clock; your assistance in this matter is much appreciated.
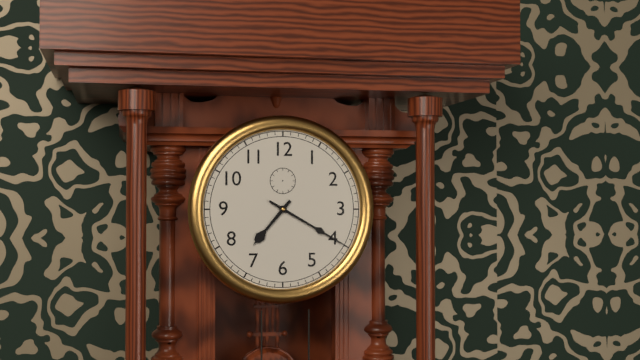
7:20
